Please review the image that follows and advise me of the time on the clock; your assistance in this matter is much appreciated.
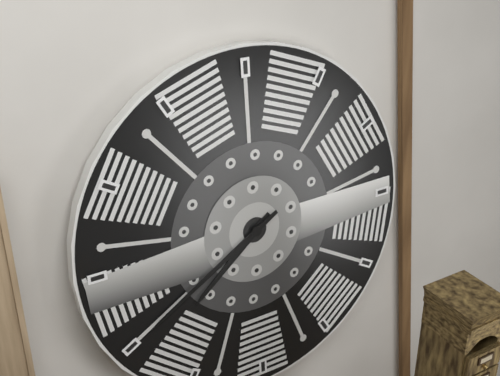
7:40
